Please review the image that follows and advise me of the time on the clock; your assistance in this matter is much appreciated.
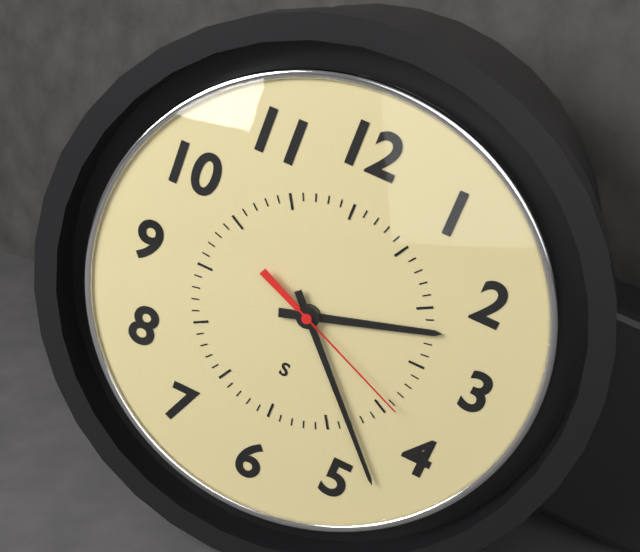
2:23:19
